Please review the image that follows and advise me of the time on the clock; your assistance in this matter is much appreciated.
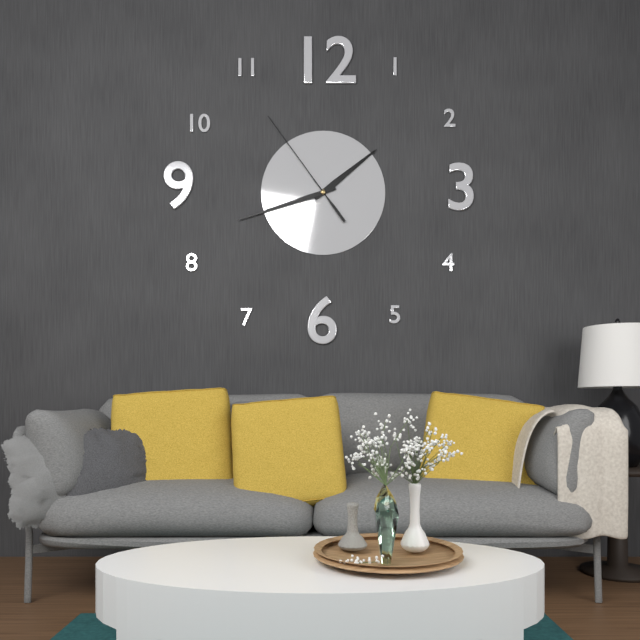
1:42:54
